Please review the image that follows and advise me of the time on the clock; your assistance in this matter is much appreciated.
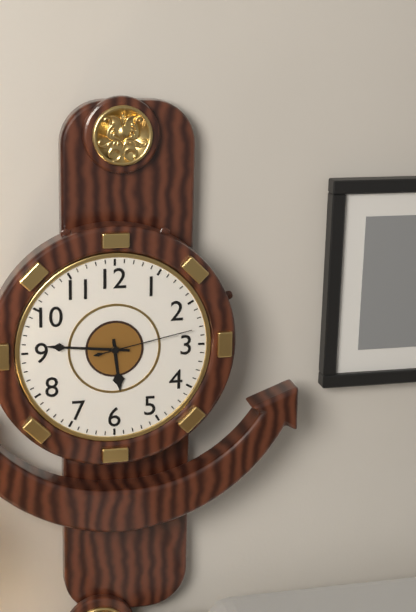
5:46:13
